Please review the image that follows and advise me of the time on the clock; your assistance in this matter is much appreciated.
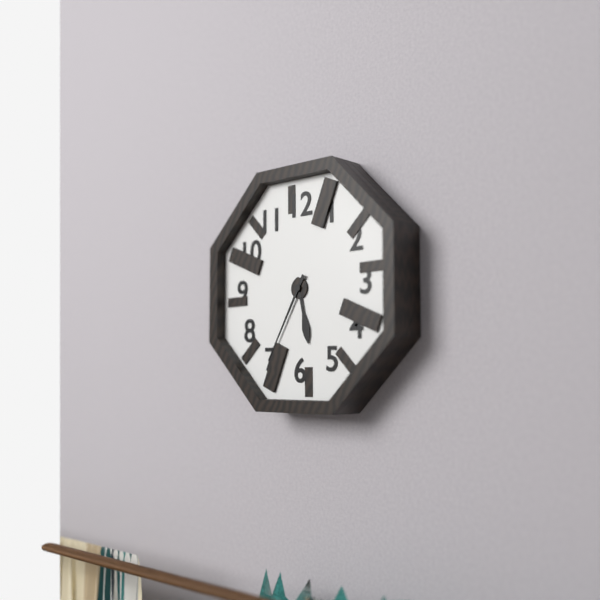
5:35
